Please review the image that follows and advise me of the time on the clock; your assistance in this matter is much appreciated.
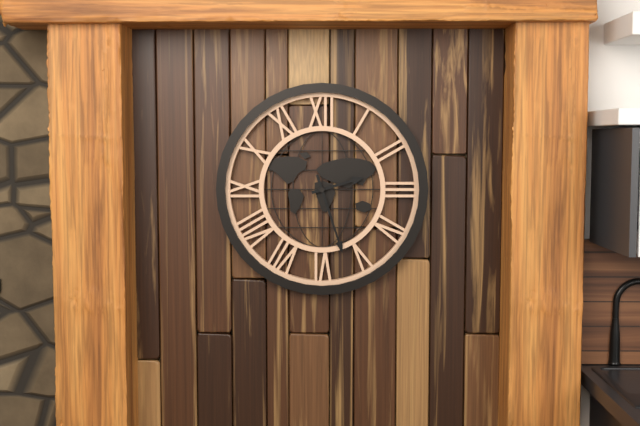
2:27
